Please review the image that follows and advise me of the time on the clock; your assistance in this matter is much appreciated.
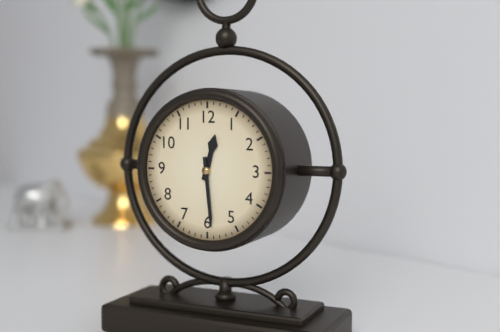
12:29
